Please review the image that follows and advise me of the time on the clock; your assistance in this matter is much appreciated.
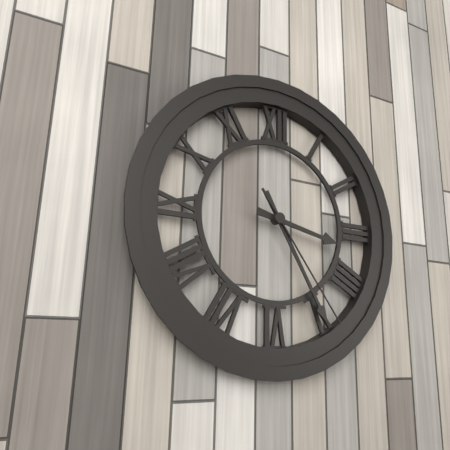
3:25:24
